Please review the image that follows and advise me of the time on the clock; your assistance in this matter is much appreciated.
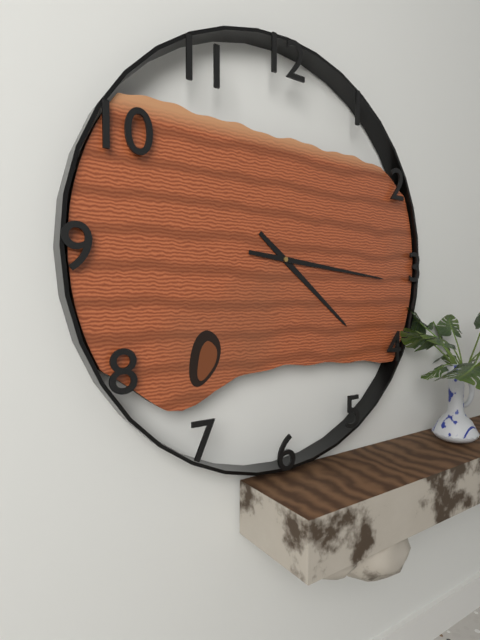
4:16
